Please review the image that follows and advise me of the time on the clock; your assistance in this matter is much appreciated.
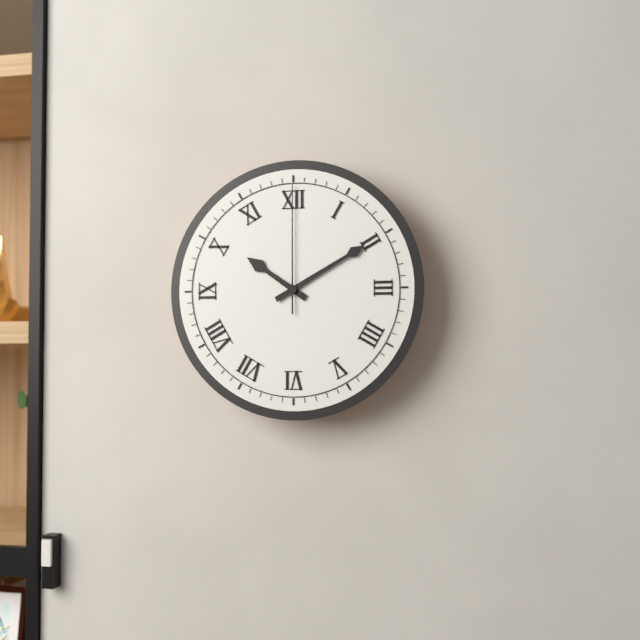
10:10:00
